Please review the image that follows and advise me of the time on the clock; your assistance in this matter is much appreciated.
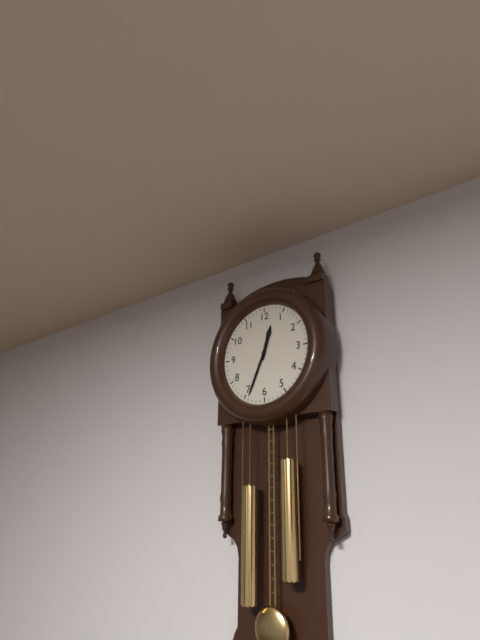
12:34
